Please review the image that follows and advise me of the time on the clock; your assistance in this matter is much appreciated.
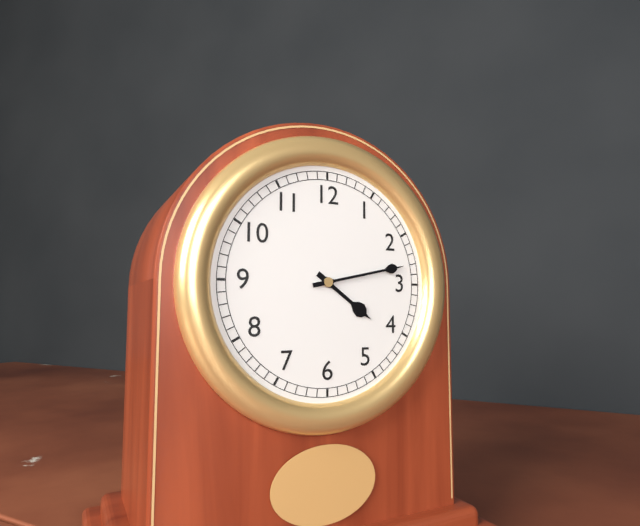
4:13
